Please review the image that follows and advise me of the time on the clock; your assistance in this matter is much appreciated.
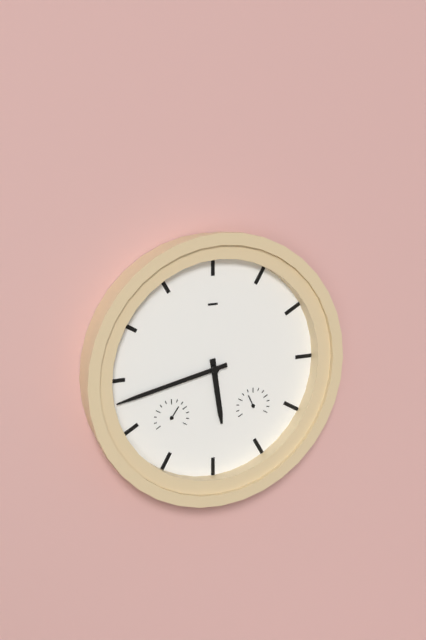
5:43
